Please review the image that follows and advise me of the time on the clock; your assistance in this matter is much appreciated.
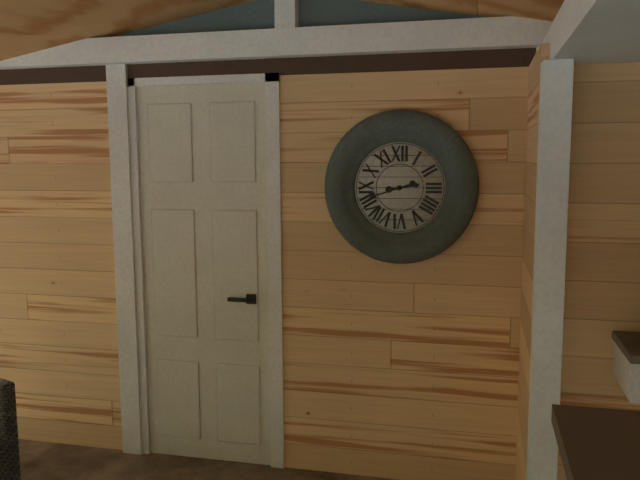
2:42
